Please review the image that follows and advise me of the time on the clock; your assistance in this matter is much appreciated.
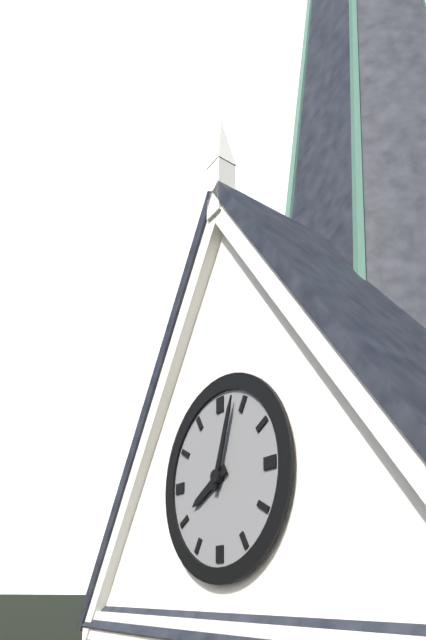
8:03
